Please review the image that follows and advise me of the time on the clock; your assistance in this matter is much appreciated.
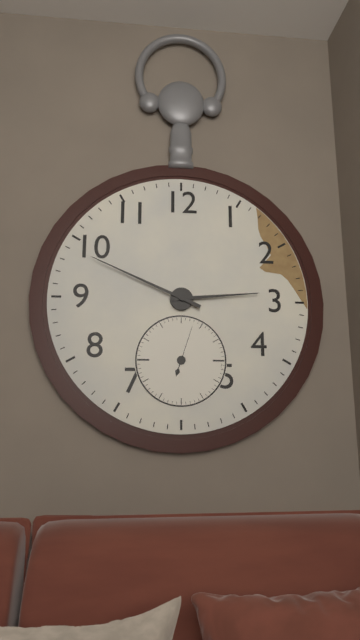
2:49
